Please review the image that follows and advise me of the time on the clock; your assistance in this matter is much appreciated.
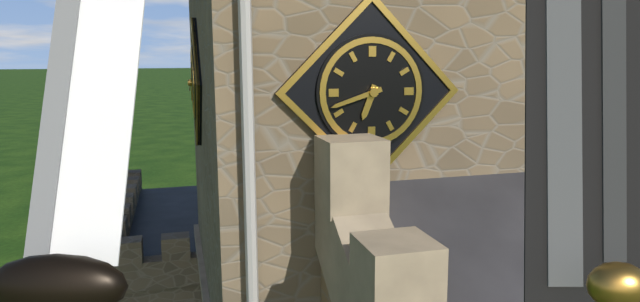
6:42
